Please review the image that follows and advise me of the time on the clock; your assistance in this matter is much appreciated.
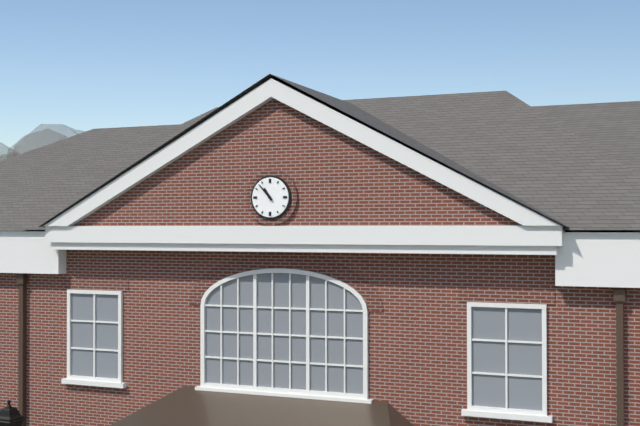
10:53
